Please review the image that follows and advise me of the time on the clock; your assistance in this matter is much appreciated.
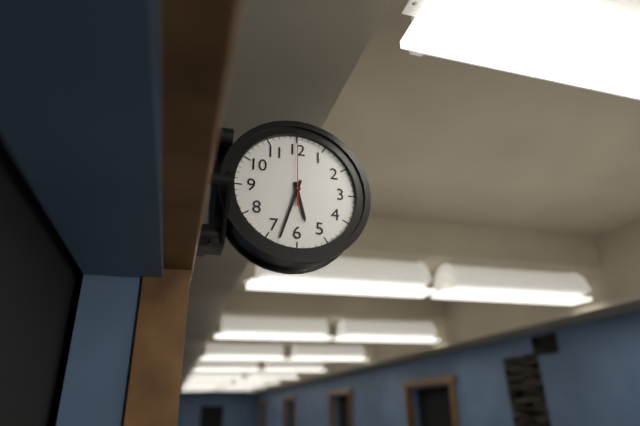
5:33:00
